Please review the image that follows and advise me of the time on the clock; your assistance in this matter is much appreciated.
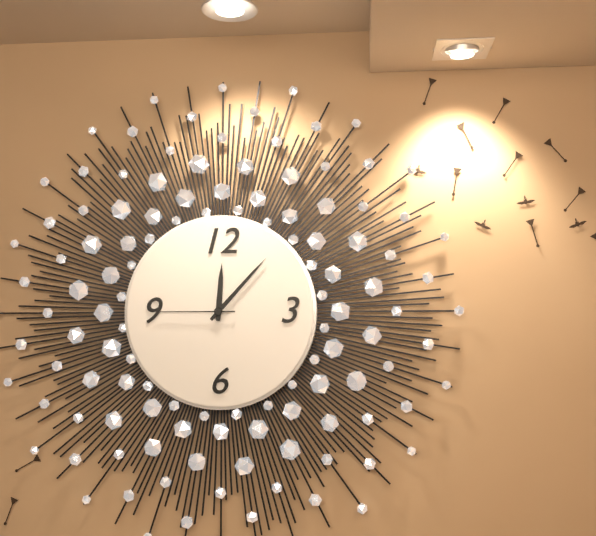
12:07:45
